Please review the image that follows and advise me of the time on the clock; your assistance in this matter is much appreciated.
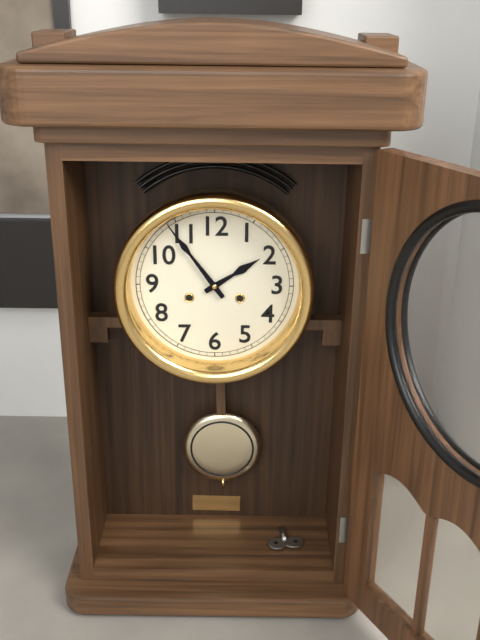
1:54
